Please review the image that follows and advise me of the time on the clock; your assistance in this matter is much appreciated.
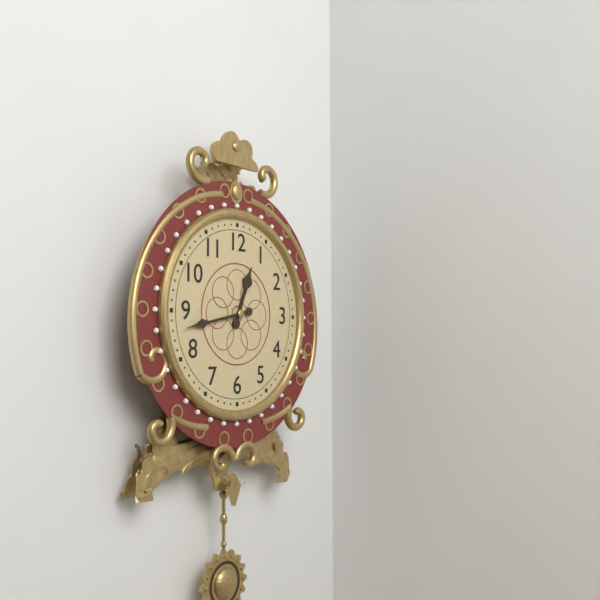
12:43
